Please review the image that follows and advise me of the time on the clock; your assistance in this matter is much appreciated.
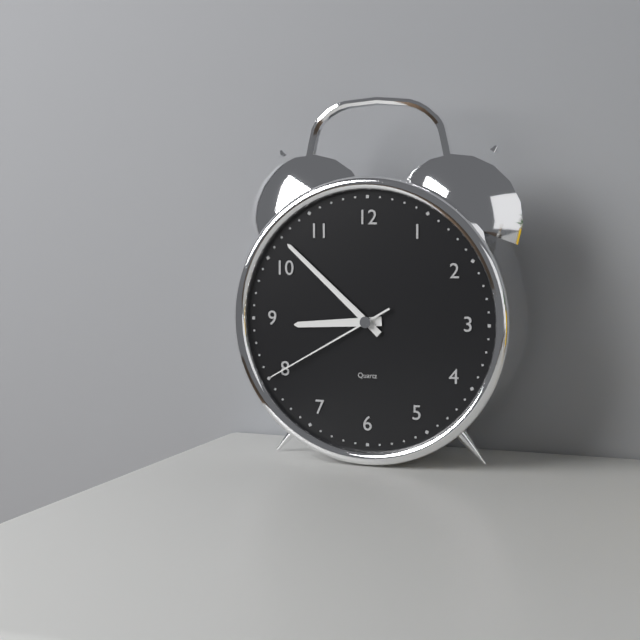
8:52:40
